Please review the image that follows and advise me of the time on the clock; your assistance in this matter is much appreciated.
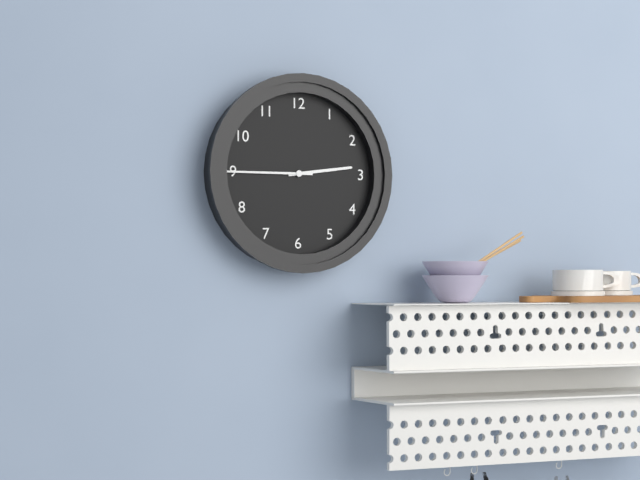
2:45
